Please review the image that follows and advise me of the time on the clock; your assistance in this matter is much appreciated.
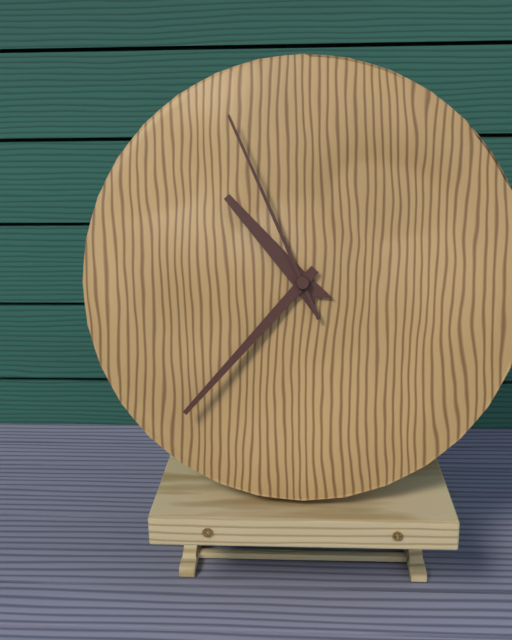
10:37:56
